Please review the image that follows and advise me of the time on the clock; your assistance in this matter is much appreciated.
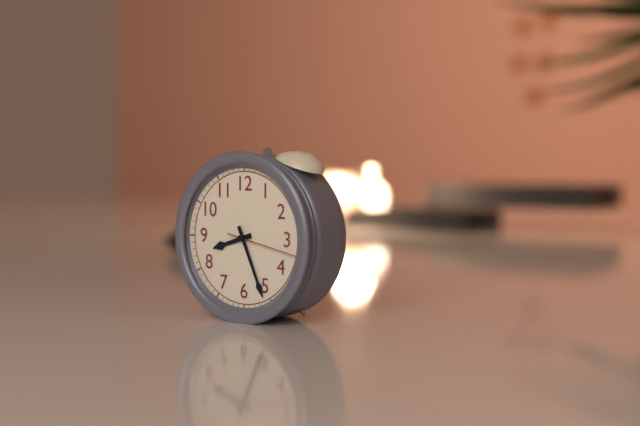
8:26:17
